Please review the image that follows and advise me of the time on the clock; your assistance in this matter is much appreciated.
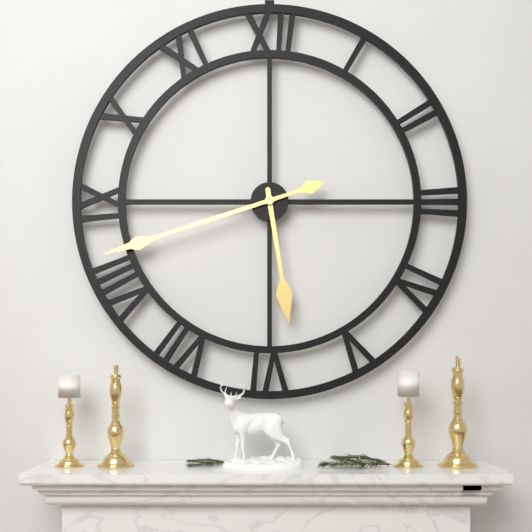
5:42
